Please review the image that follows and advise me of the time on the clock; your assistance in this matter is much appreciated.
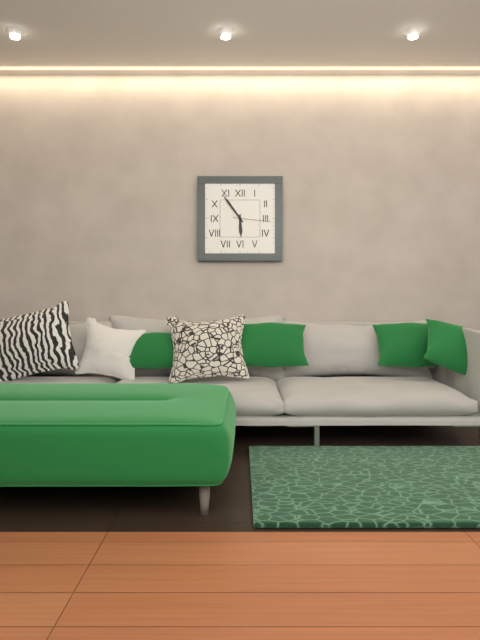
5:54
